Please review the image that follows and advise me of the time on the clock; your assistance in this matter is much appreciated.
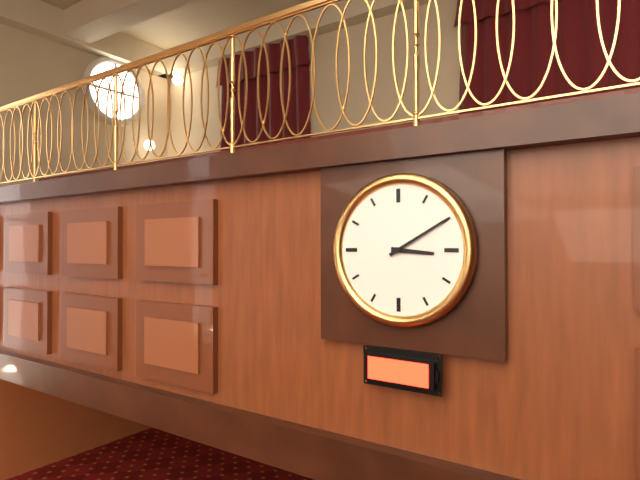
3:10
